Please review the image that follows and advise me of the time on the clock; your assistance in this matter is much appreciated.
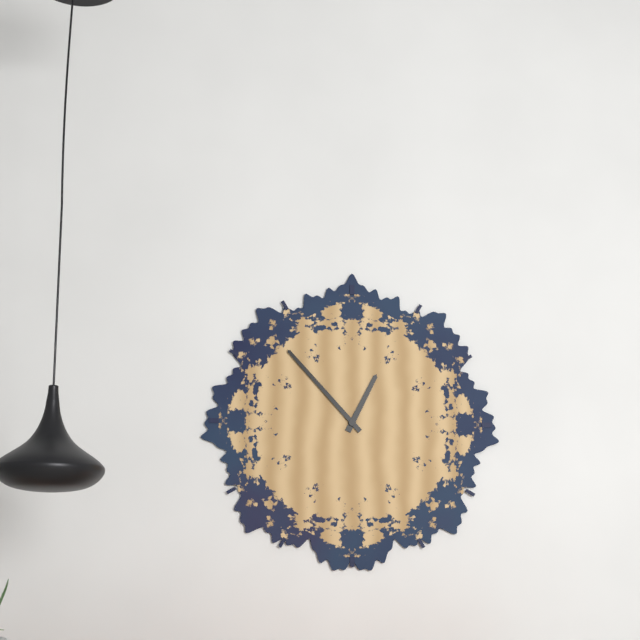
12:53
